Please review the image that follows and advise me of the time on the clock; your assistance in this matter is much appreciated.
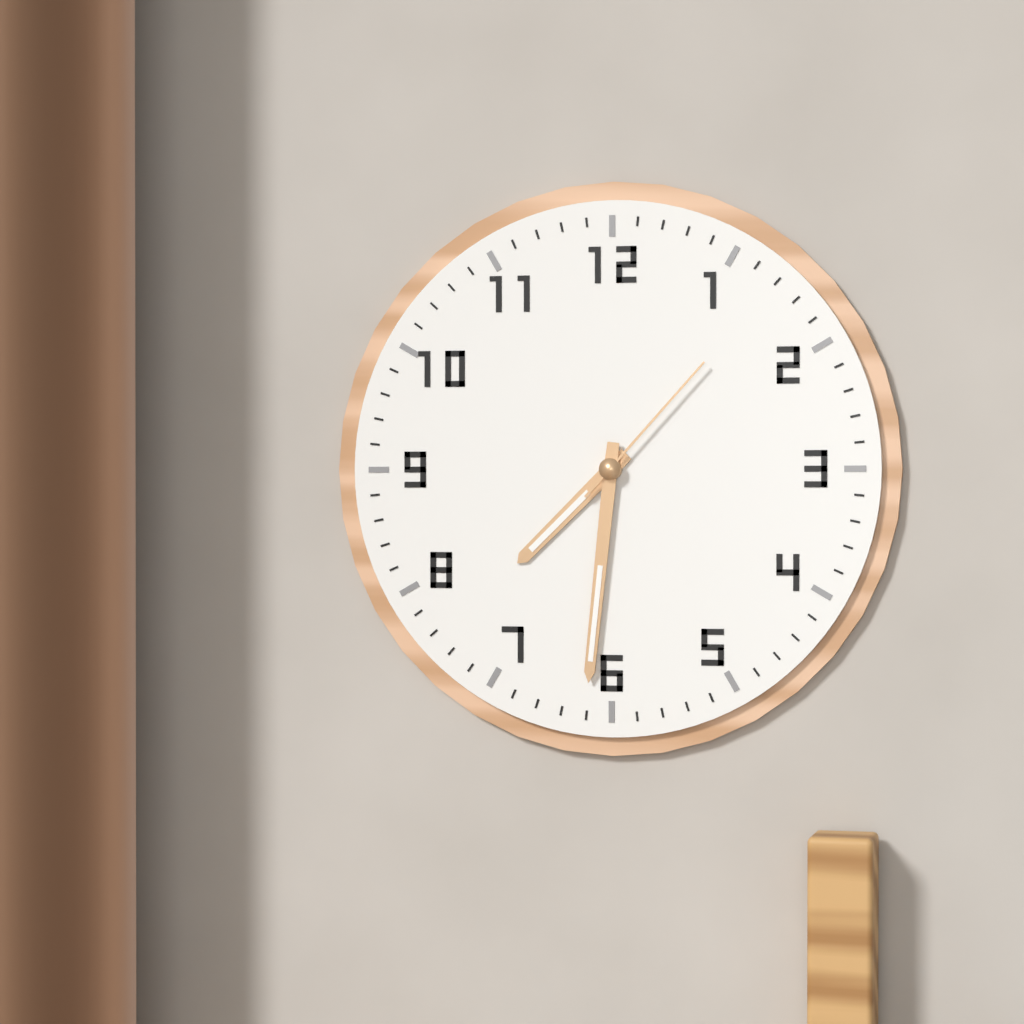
7:31:07
